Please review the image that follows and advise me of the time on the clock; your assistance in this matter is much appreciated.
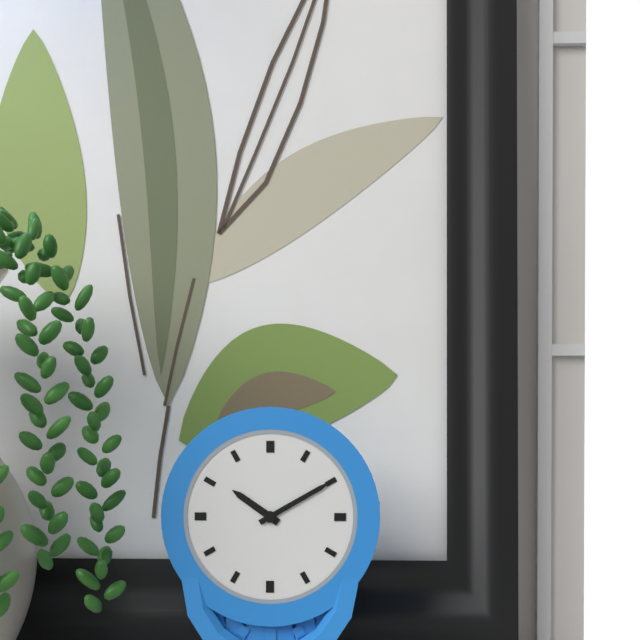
10:10
